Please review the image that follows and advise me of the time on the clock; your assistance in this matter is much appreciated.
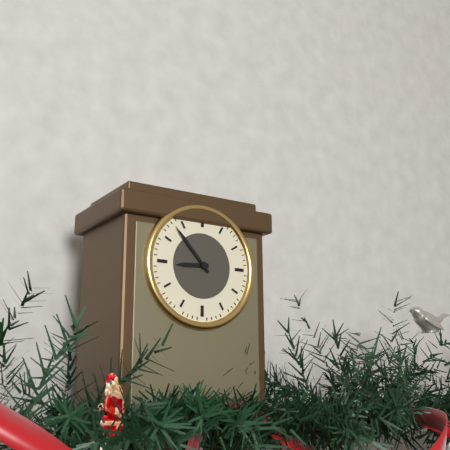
8:53
